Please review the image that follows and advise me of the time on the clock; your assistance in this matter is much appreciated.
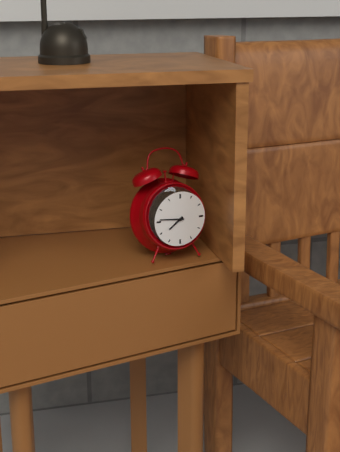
7:46
